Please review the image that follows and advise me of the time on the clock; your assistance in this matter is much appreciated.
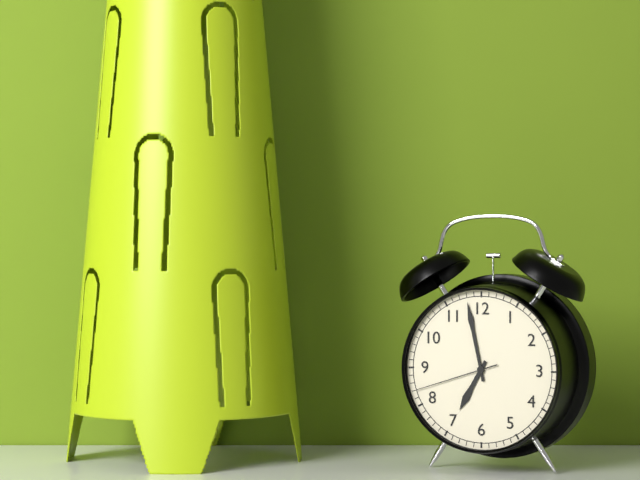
6:58:42
